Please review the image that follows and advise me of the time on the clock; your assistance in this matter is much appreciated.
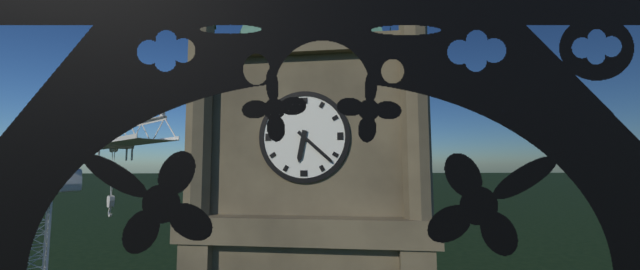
6:22
